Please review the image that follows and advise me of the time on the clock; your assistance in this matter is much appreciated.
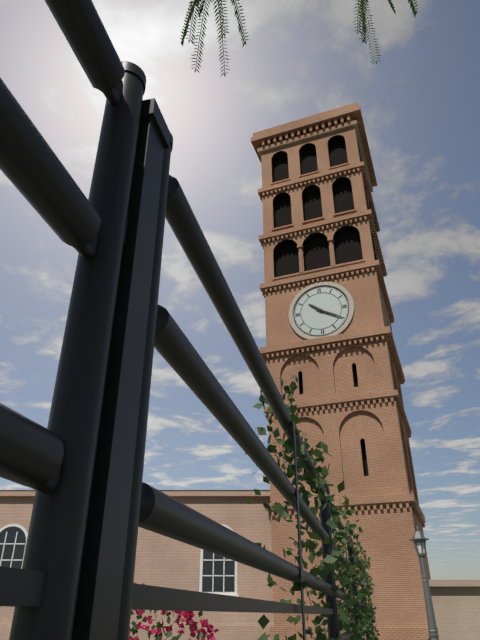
10:20
